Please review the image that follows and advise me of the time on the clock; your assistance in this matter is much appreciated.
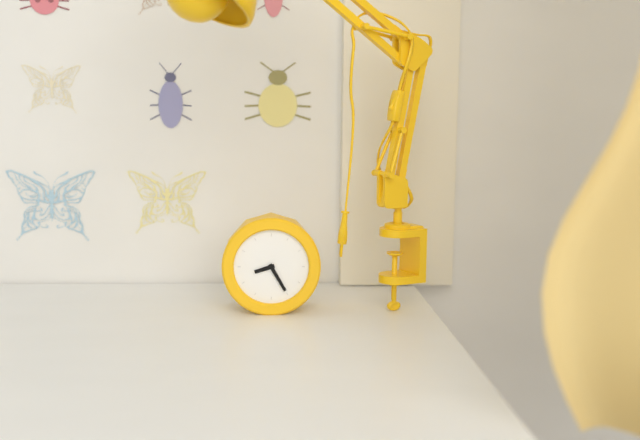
8:25
